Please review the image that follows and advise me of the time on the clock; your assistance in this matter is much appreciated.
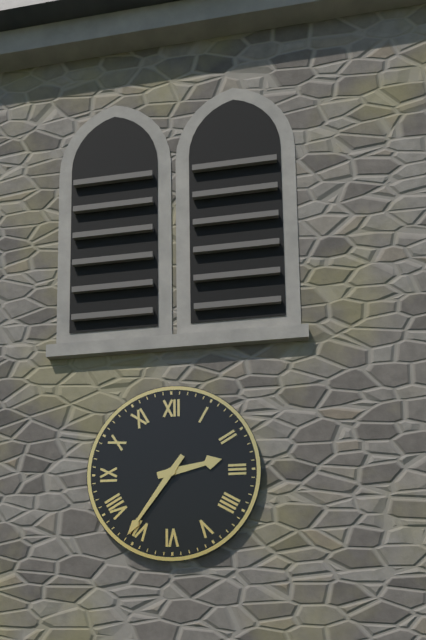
2:36
